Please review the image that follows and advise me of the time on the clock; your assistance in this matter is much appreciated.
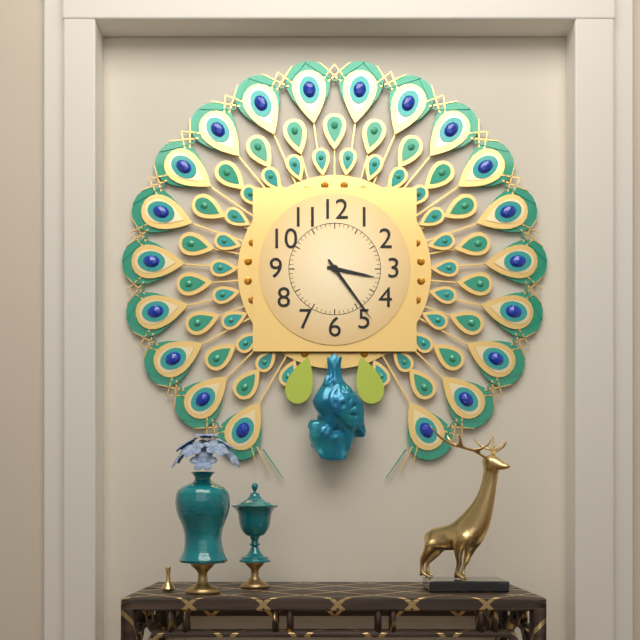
3:24
